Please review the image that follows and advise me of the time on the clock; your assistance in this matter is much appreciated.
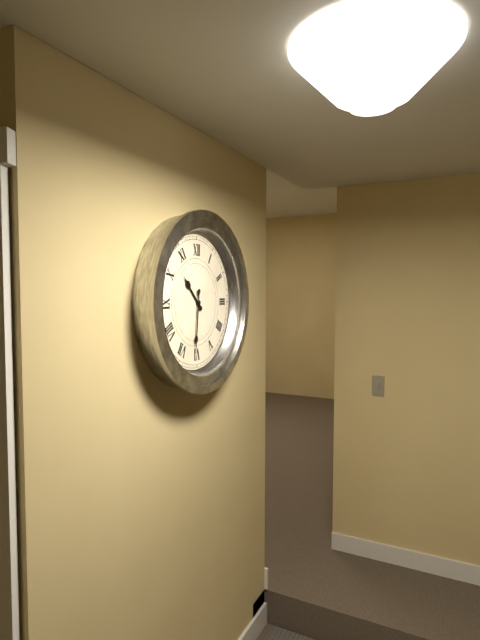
10:31
